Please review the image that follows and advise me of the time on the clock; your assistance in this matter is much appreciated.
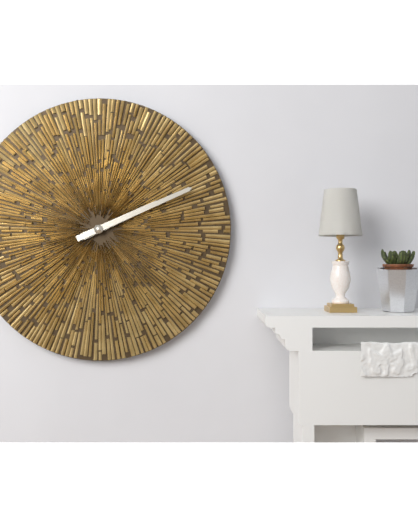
2:11
